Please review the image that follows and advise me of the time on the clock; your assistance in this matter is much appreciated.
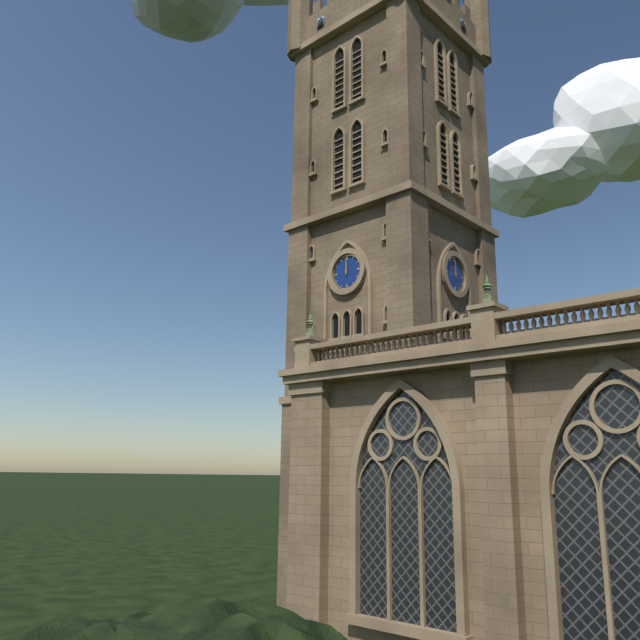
12:00
